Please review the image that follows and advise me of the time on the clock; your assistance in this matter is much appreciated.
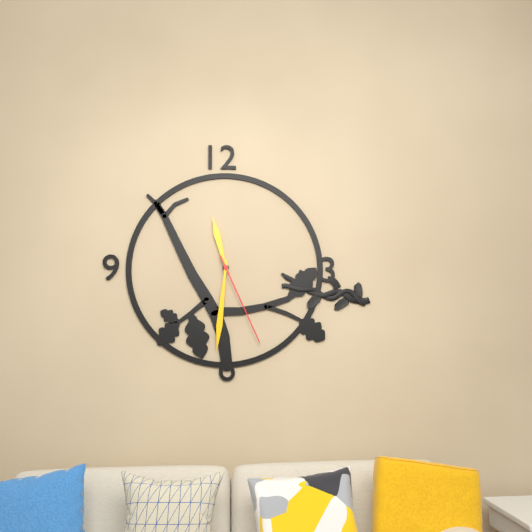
11:31:26
